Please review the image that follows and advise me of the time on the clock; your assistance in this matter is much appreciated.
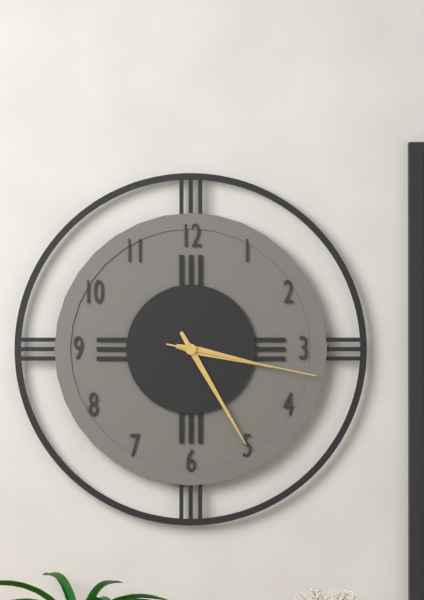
3:25:17
